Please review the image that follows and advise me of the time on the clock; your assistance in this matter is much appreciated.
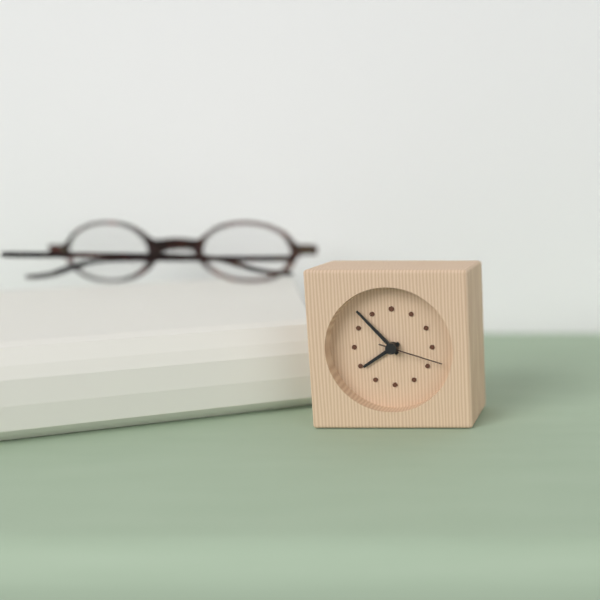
7:53:18
